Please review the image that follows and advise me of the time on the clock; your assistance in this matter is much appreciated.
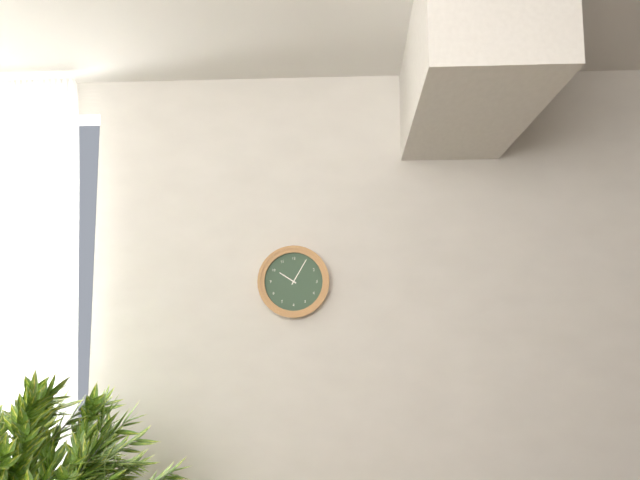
10:05
